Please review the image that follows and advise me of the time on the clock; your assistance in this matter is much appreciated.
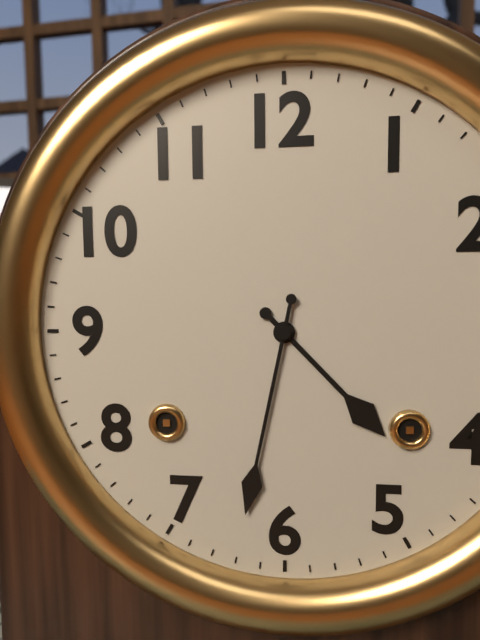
4:32
